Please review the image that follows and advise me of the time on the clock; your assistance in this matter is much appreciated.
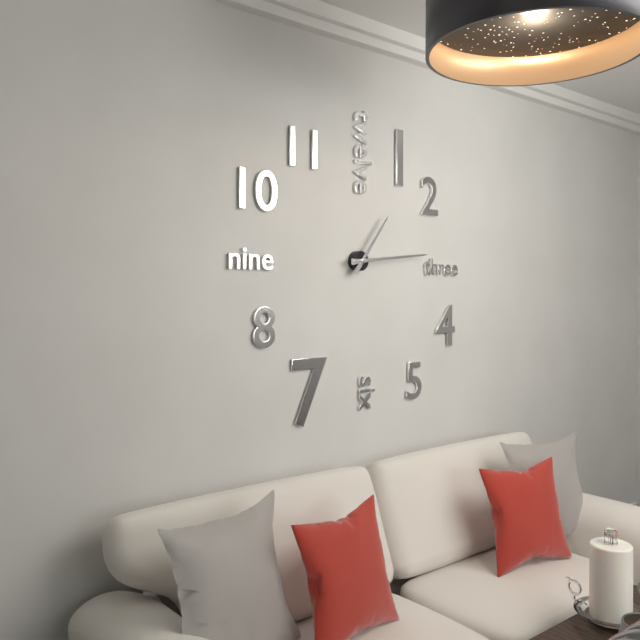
1:14
